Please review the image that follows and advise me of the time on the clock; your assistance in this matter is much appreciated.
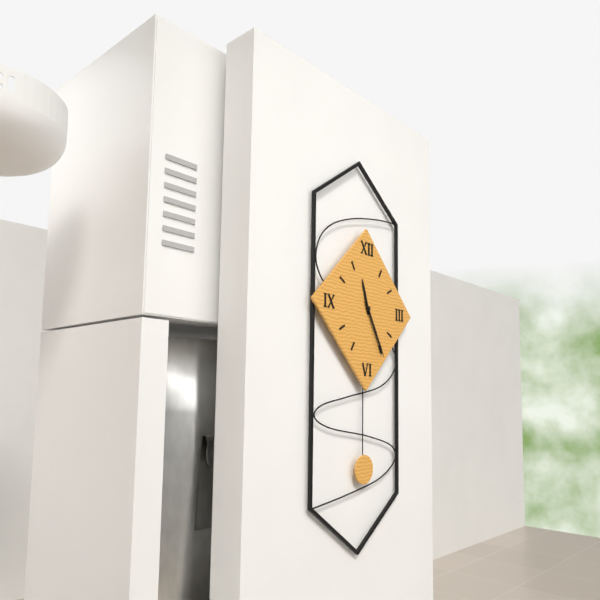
11:25:26
